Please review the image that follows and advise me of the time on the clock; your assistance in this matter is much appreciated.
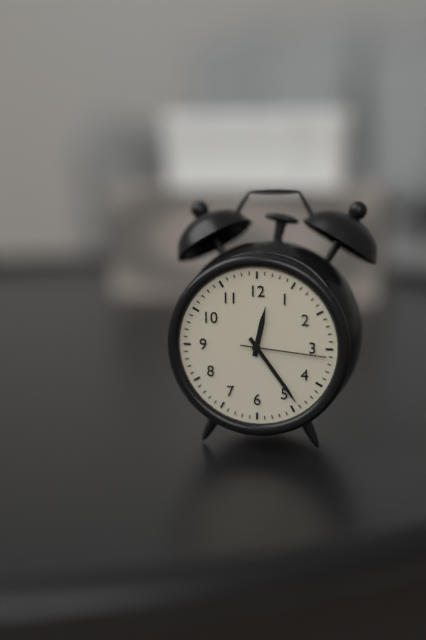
12:24:16
